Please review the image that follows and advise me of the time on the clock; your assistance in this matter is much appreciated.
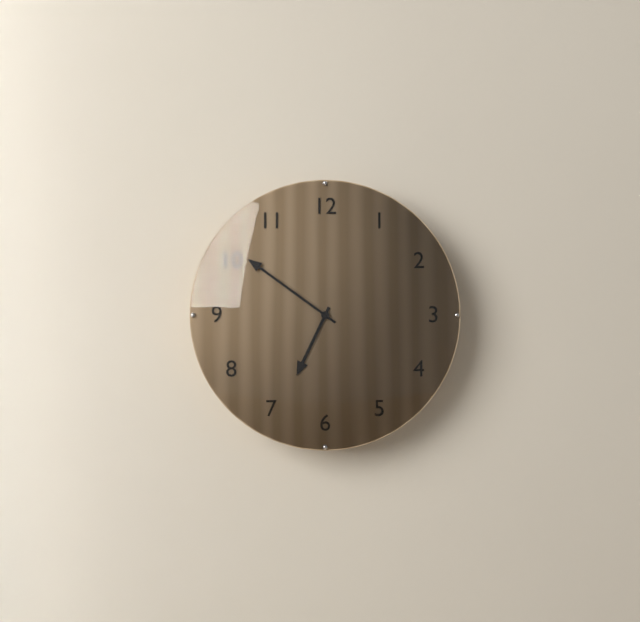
6:51
